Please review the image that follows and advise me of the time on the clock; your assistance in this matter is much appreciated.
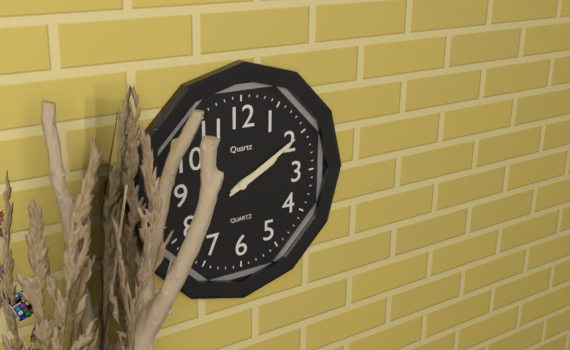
2:10
